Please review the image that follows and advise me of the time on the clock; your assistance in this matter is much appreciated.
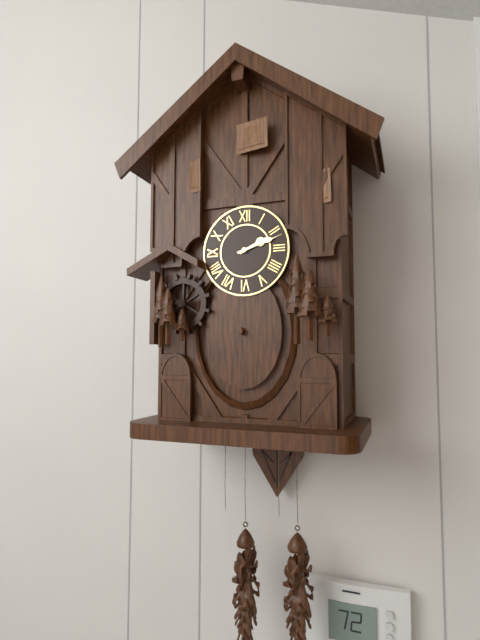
2:12
